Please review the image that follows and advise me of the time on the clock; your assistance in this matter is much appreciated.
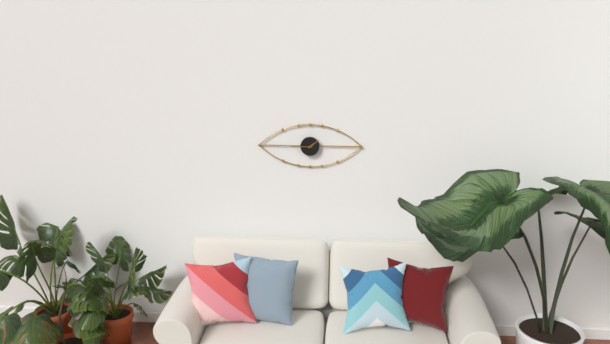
1:45
